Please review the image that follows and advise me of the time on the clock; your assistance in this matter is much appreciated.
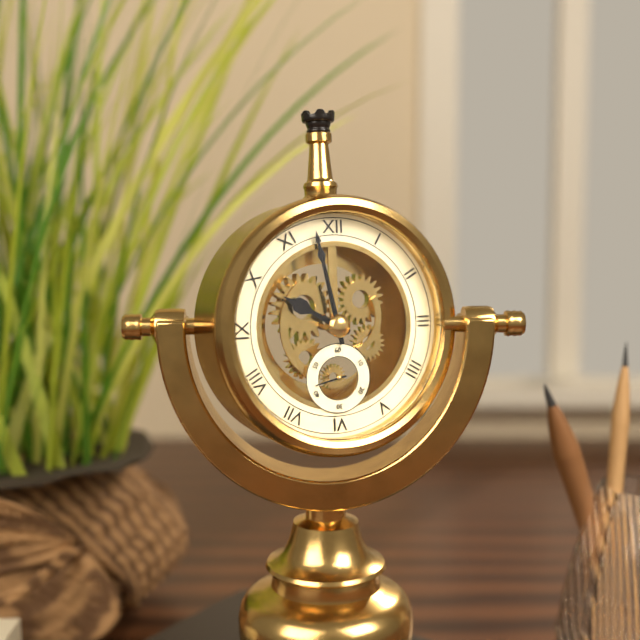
9:58
